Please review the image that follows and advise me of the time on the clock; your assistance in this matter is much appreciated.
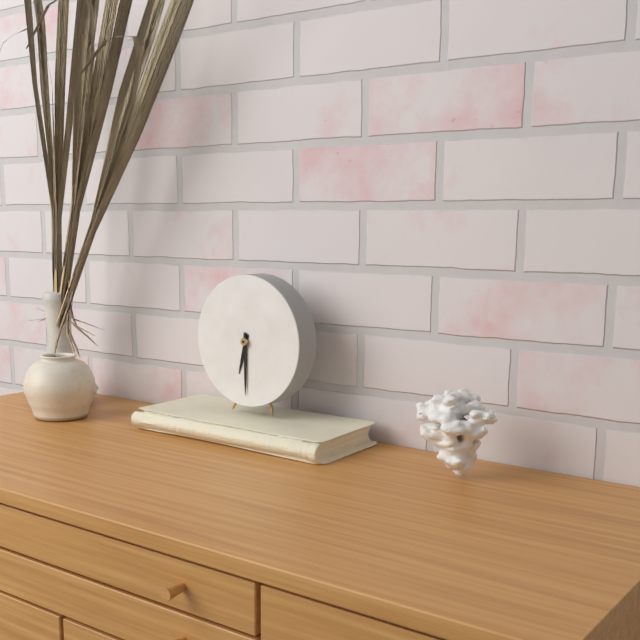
6:30
